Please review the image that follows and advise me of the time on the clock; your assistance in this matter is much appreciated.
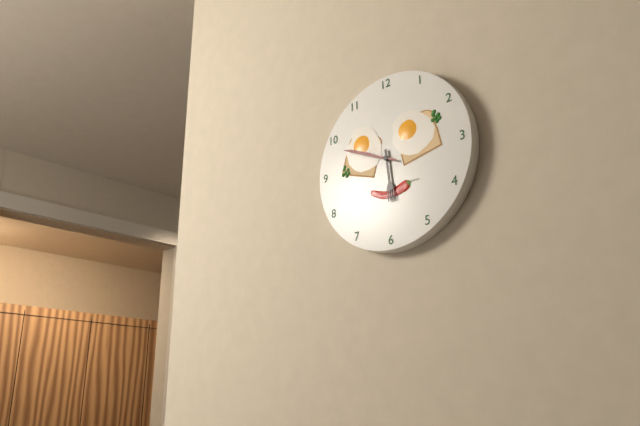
5:49
